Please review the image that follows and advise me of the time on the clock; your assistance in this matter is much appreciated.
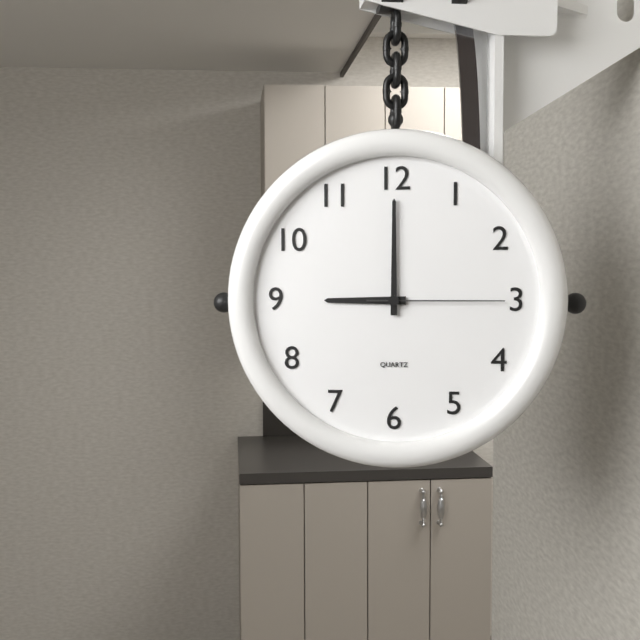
9:00:15
